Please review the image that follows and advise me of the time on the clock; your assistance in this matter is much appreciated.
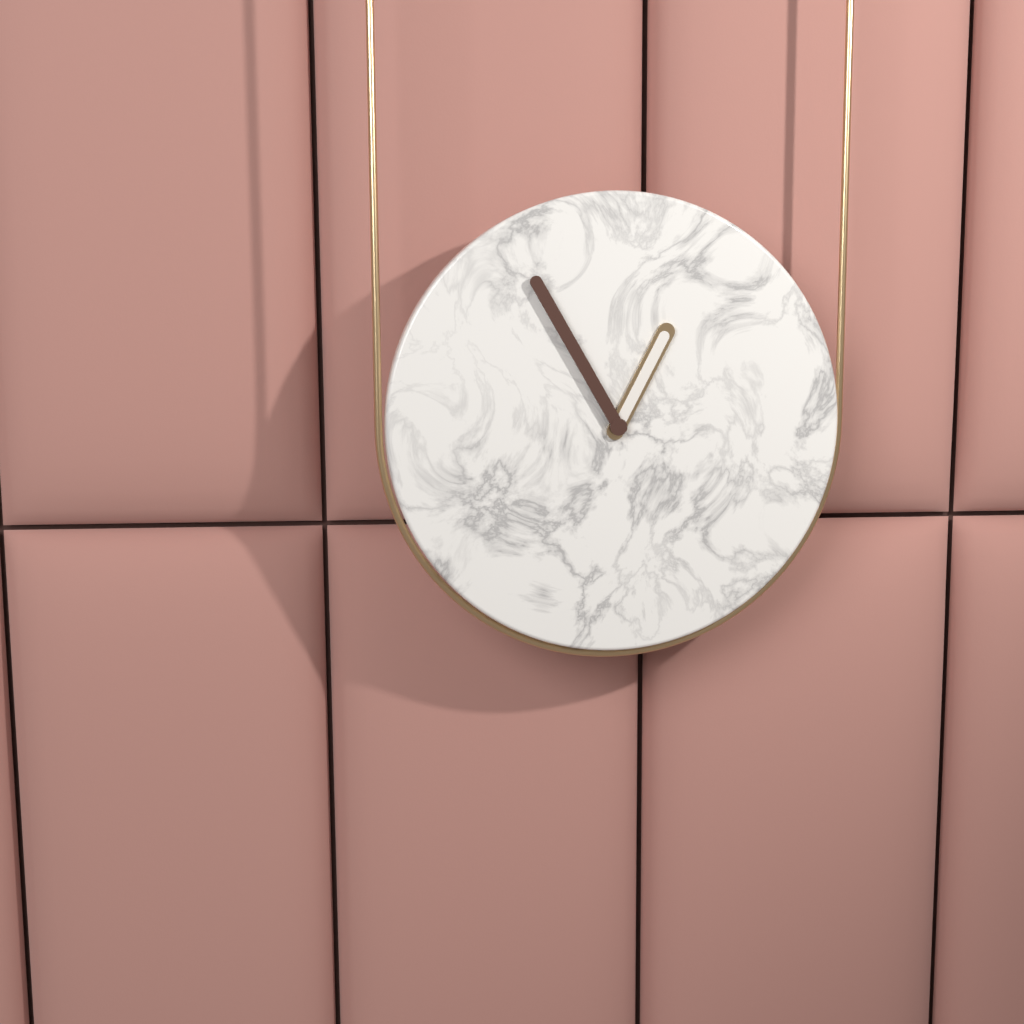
12:55
